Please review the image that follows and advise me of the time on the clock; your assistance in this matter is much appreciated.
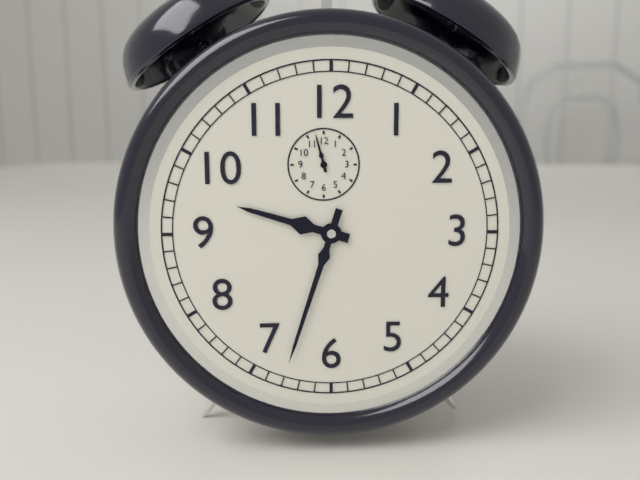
9:33
